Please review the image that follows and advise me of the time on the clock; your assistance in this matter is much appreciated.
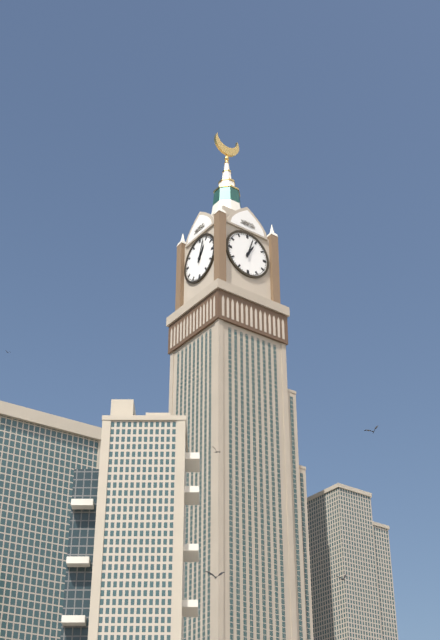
1:03
